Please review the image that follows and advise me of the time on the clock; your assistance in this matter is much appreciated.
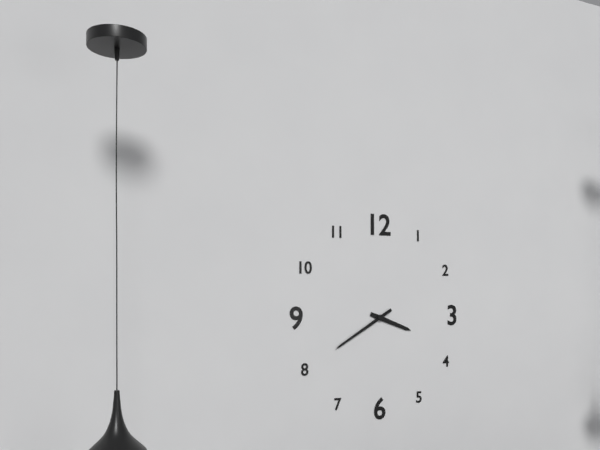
3:40
